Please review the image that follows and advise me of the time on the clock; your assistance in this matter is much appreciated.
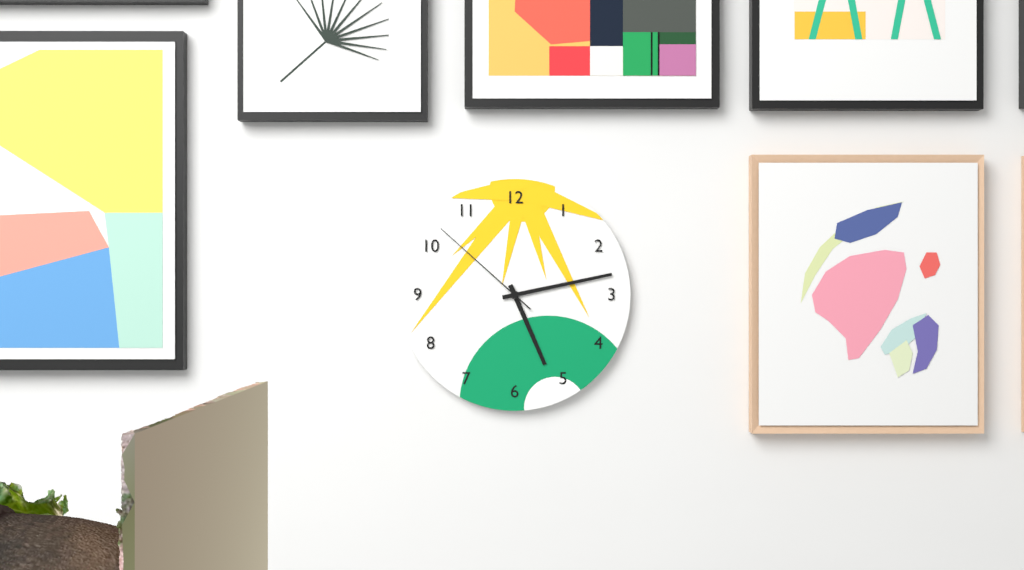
5:13:52
